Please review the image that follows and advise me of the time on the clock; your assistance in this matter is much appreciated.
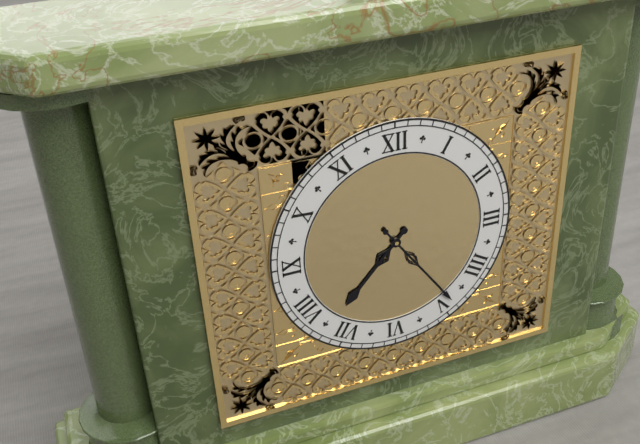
7:24
